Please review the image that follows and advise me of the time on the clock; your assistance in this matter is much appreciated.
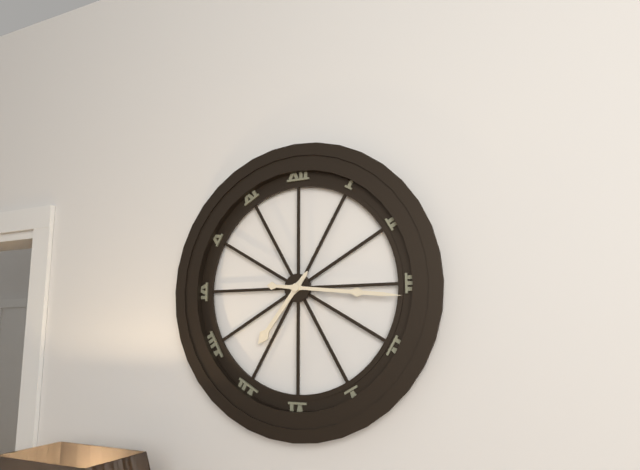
7:16
